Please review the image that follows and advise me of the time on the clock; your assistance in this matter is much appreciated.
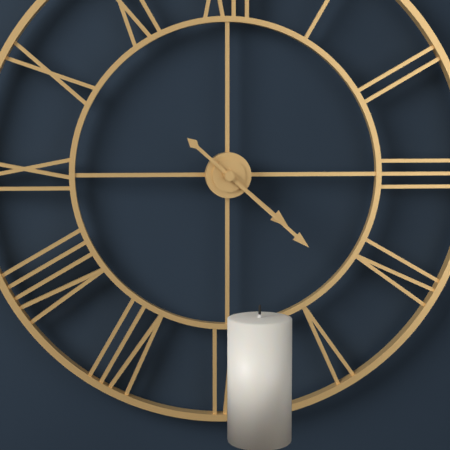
4:22
